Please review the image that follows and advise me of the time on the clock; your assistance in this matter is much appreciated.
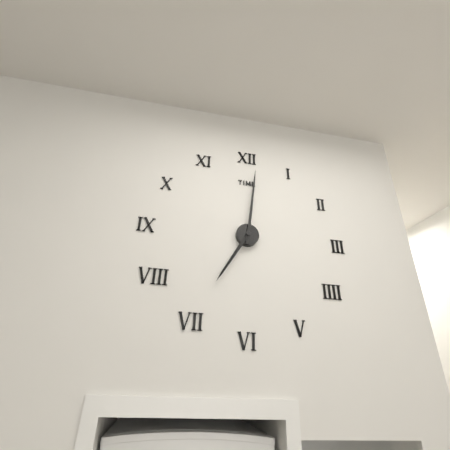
7:01
